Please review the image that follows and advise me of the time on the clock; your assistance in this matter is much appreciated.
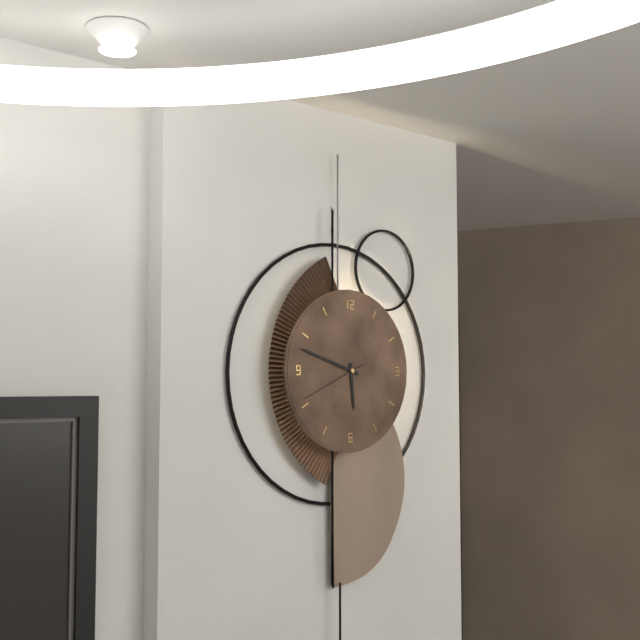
5:48
